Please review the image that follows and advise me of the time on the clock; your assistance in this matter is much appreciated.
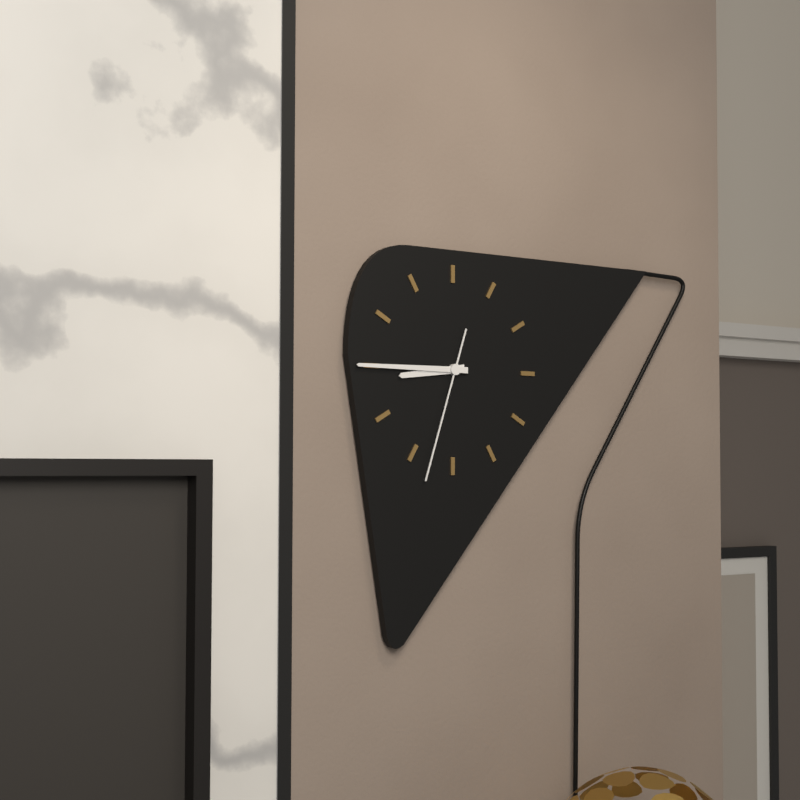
8:45:33
